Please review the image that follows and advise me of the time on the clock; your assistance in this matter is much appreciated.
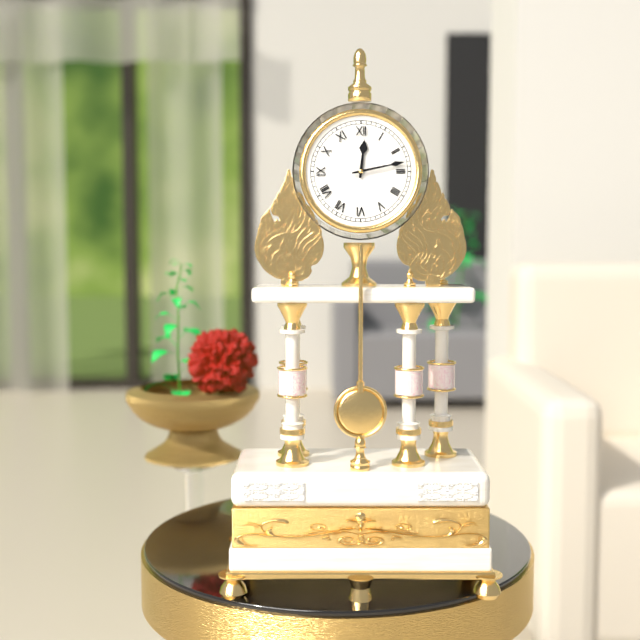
12:13
